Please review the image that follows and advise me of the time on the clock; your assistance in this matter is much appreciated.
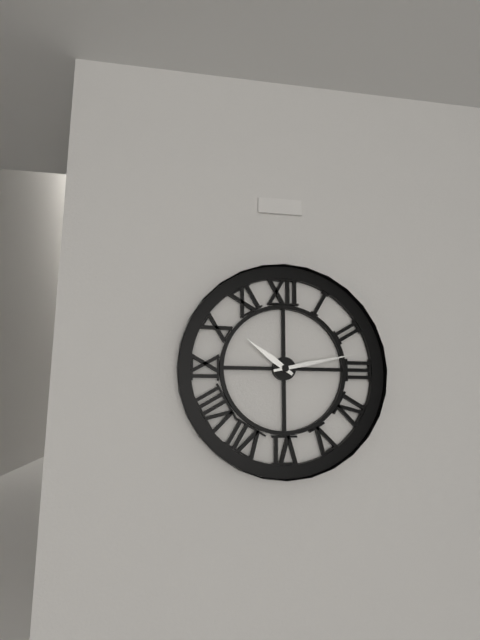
10:13
